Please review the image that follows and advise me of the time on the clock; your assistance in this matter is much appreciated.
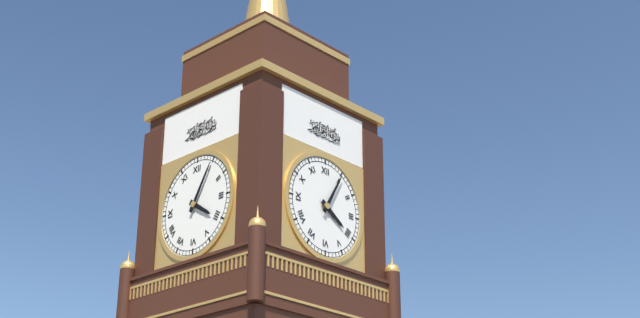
4:05
